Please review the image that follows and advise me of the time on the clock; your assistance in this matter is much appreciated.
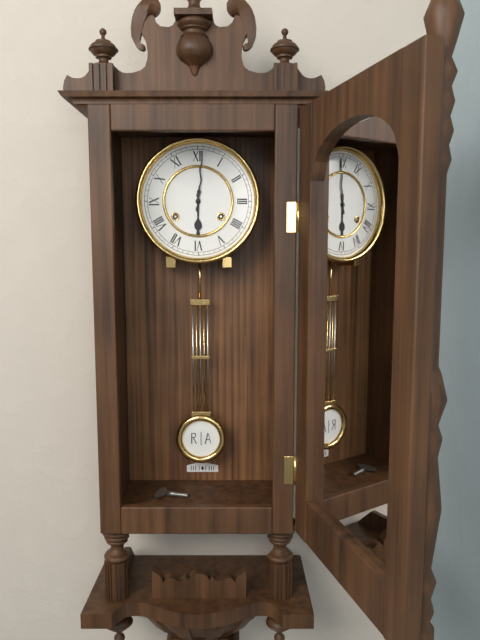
6:01
